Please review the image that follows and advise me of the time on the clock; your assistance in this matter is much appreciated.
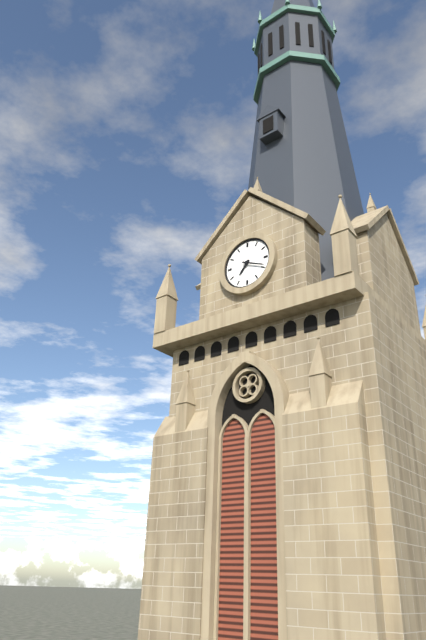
7:19
